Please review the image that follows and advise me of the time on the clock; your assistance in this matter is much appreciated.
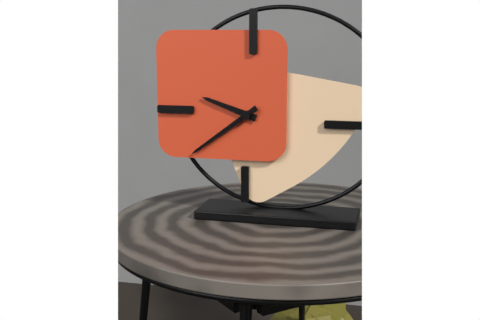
9:39
